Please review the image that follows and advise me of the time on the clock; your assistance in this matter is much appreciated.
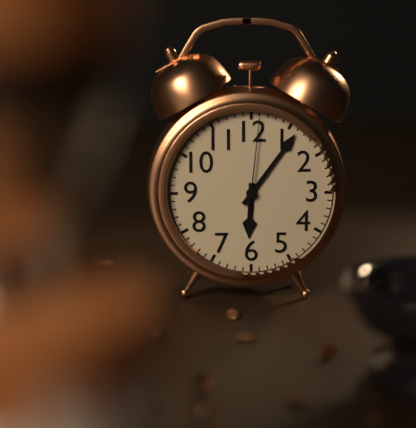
6:06:01
